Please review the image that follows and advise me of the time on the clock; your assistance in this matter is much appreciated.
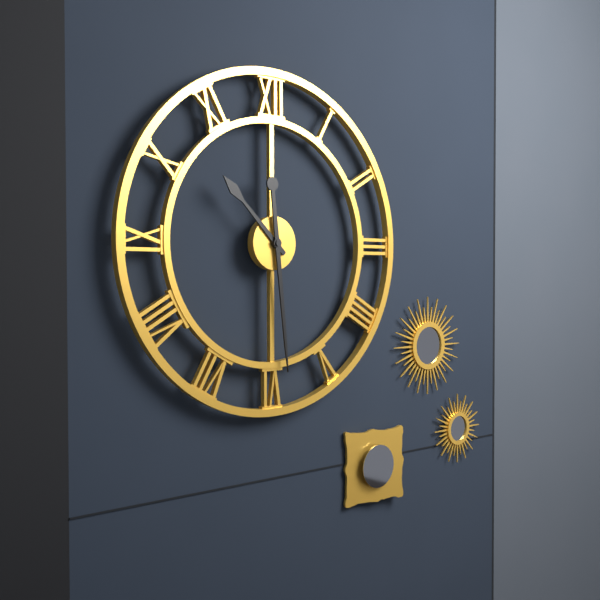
10:29
